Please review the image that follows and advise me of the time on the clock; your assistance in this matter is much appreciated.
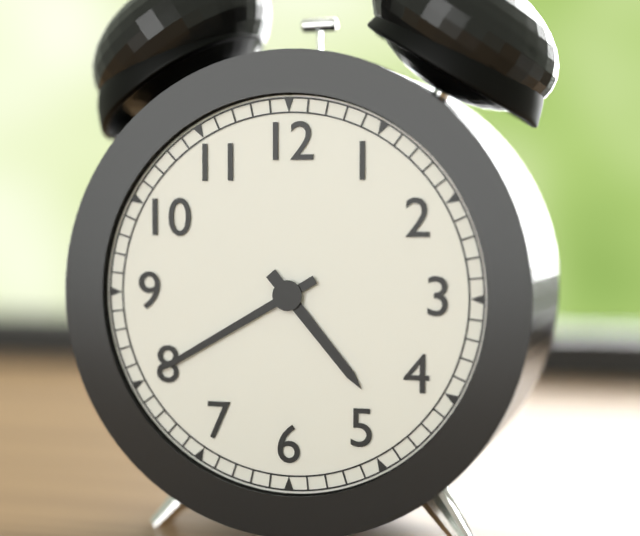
4:40
